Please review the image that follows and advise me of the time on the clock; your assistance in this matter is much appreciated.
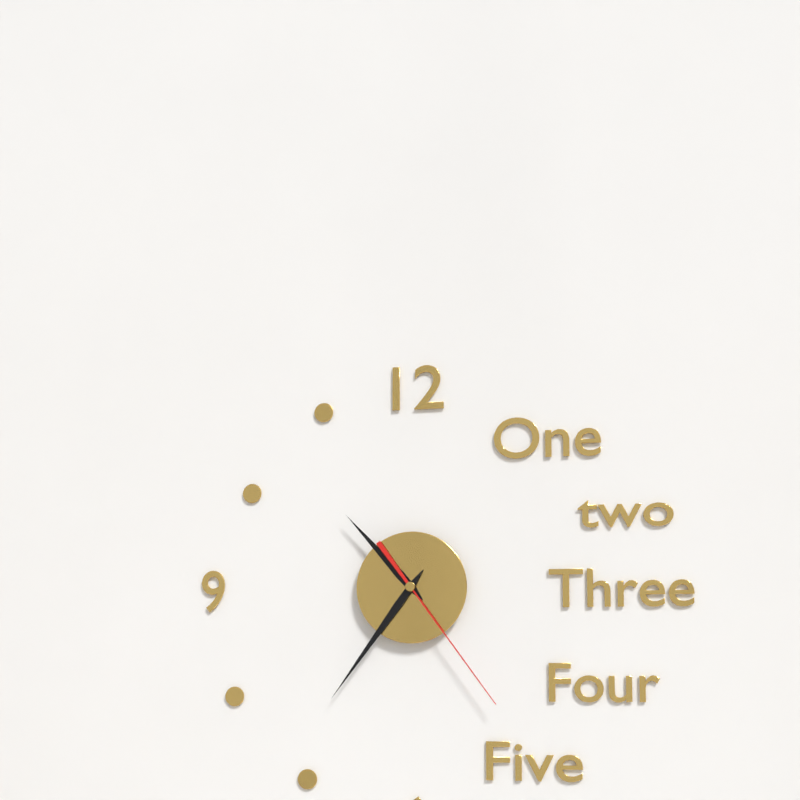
10:36:24
